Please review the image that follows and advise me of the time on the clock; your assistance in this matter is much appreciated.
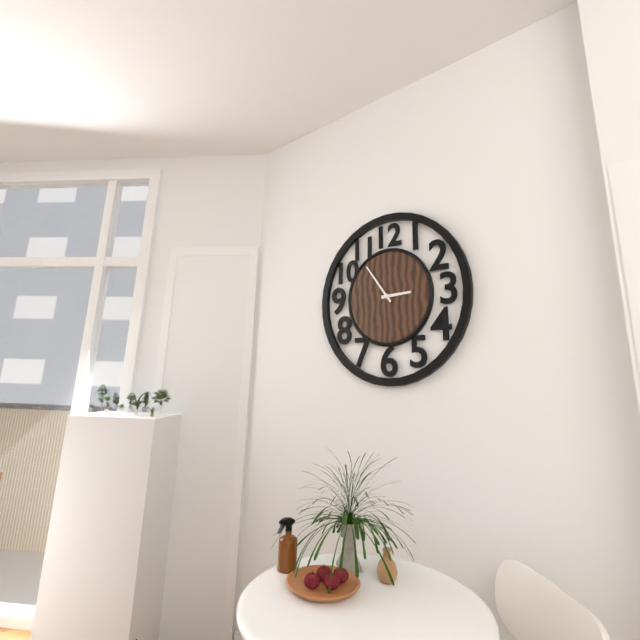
2:54
